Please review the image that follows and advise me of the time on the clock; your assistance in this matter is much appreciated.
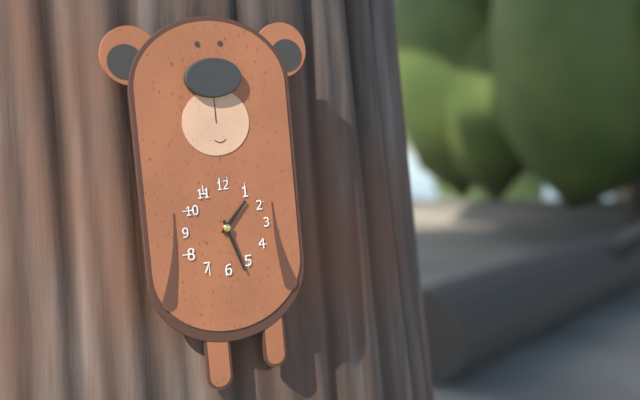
1:27
